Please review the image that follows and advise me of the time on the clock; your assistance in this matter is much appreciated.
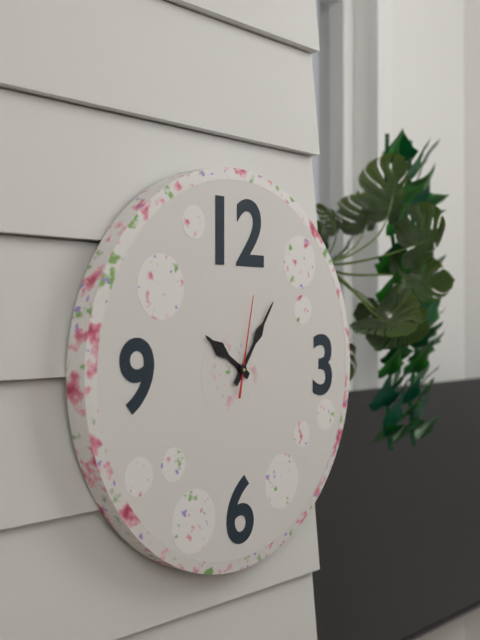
10:06:02
